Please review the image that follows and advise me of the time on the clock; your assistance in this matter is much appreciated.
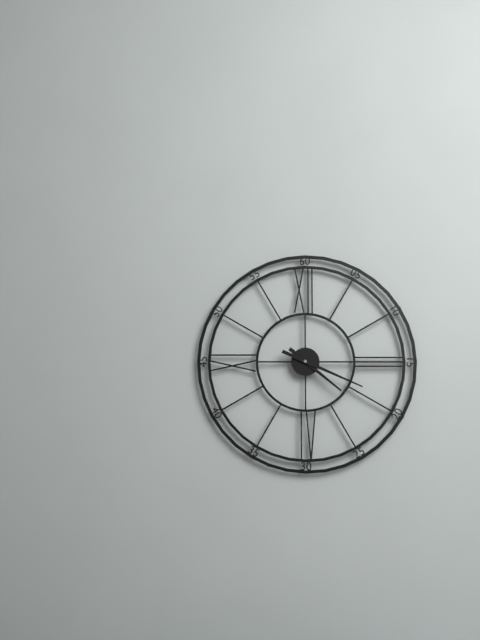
4:19
